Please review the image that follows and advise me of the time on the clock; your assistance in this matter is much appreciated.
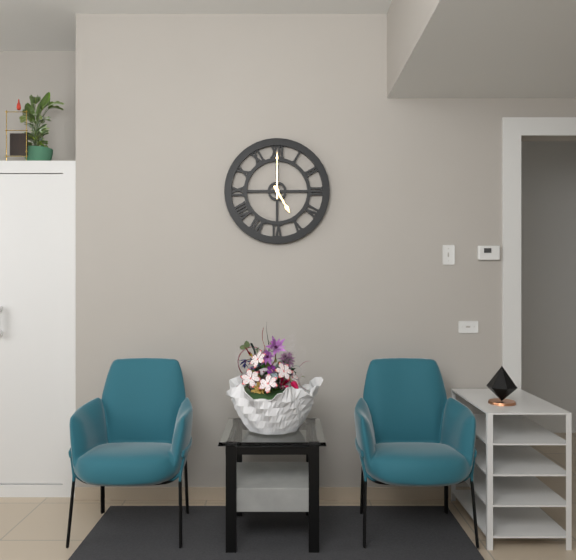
5:00
